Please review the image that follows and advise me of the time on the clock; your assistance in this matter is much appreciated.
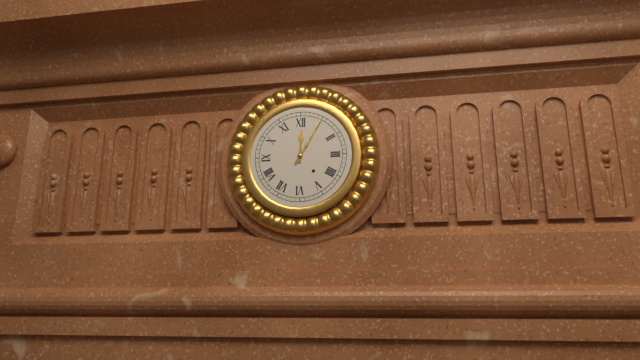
12:05
